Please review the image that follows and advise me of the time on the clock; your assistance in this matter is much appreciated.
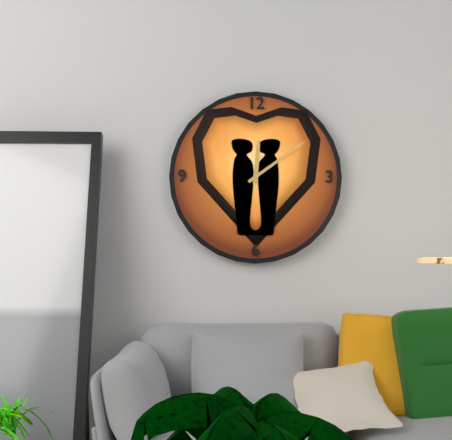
12:09
